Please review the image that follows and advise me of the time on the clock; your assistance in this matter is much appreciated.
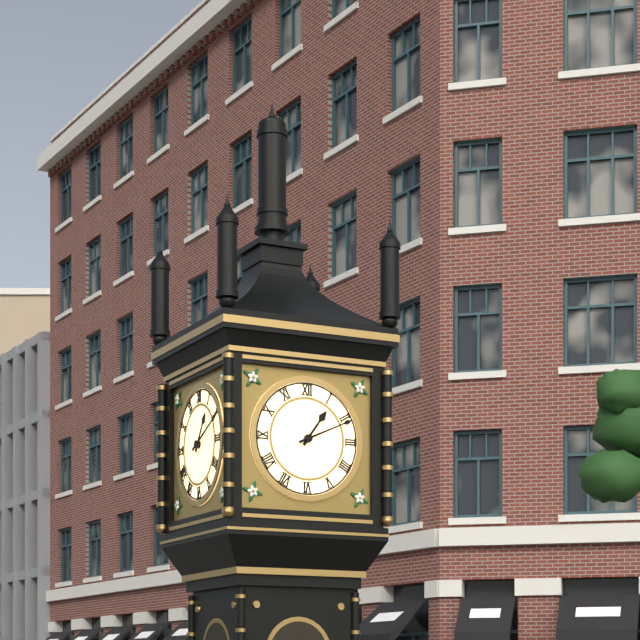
1:11
